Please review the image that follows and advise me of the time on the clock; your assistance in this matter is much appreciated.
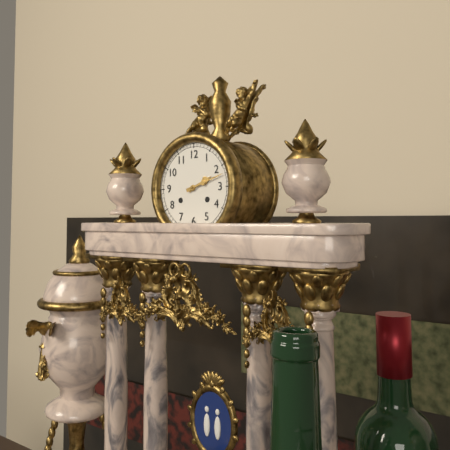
2:12
